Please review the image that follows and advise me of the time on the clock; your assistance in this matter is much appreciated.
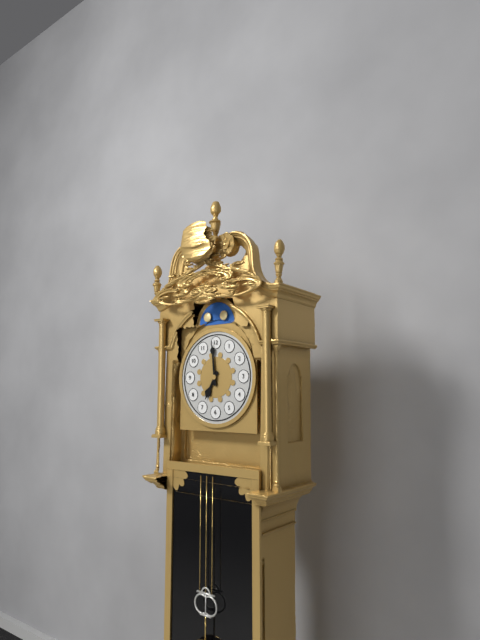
6:59
